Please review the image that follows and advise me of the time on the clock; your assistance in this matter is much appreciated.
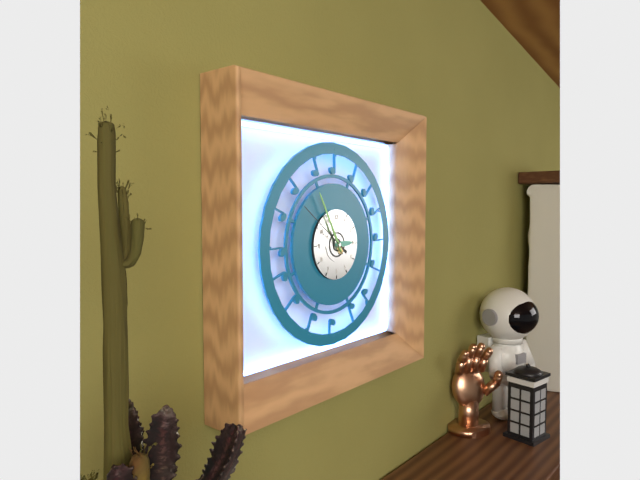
2:55:51
